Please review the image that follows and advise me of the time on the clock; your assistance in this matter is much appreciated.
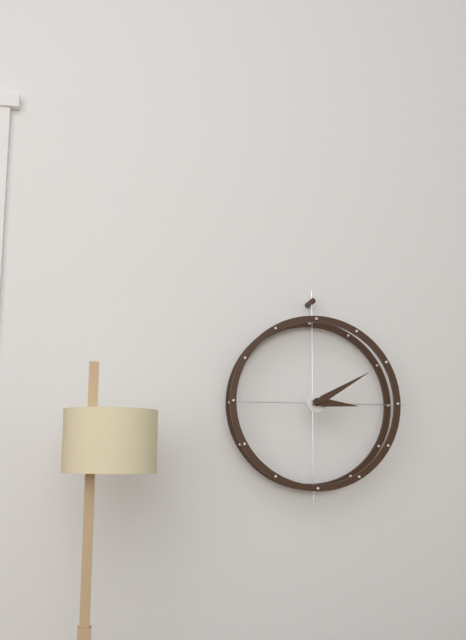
3:10
